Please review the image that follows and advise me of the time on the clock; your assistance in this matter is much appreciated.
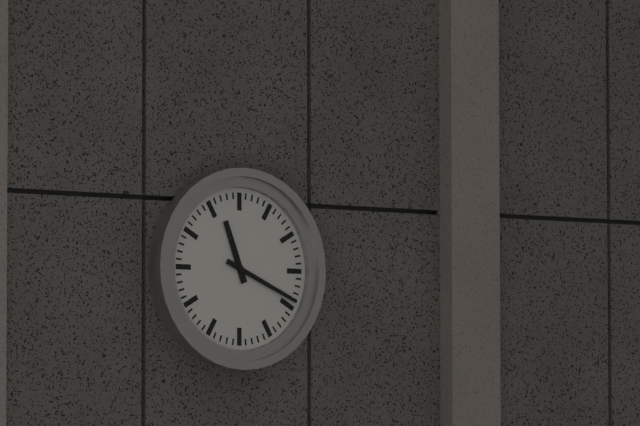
11:19
